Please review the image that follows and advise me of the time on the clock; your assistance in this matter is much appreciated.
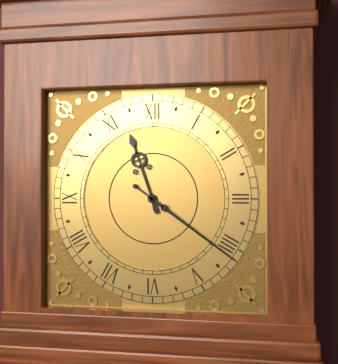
11:21
